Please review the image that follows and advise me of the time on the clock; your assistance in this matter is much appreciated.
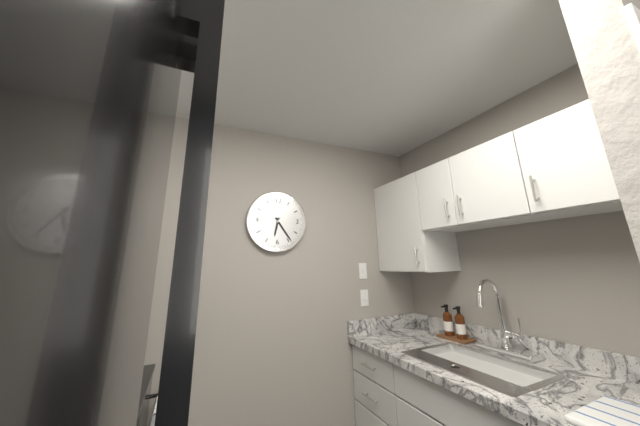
6:24
